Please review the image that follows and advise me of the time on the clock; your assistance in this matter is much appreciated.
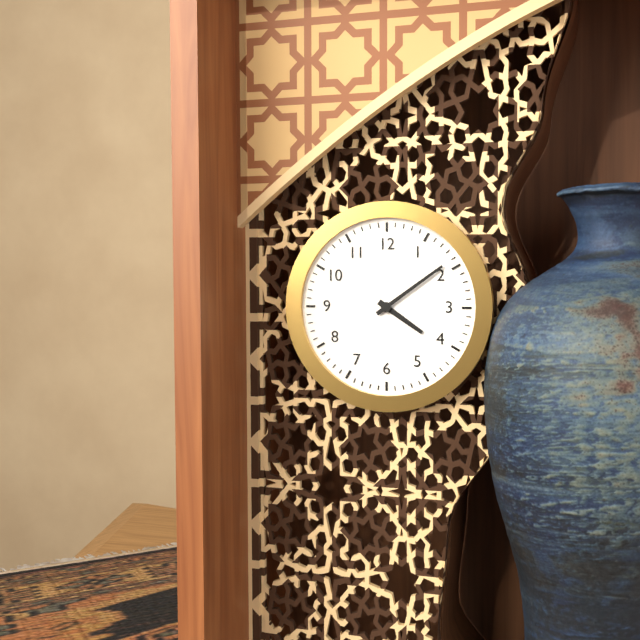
4:09
